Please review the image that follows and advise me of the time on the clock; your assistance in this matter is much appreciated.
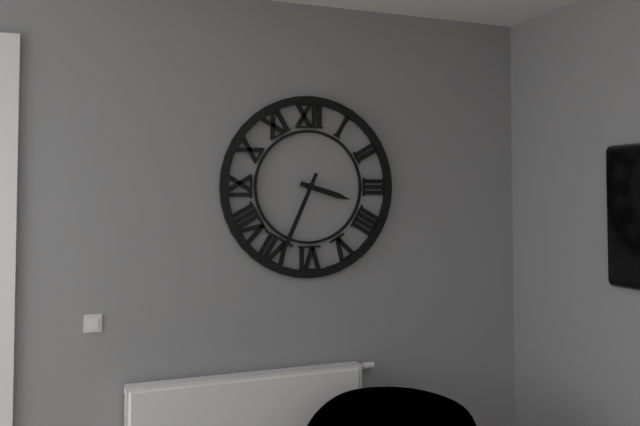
3:34
